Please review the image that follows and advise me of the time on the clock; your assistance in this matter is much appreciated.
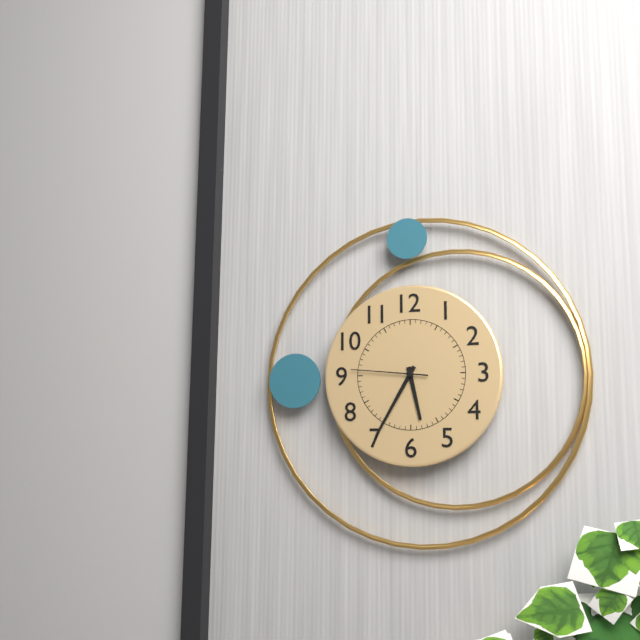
5:35:46
